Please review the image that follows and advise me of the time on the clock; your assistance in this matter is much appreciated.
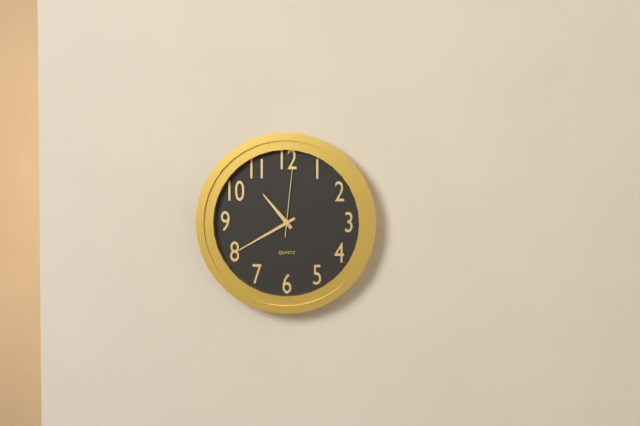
10:40:01
